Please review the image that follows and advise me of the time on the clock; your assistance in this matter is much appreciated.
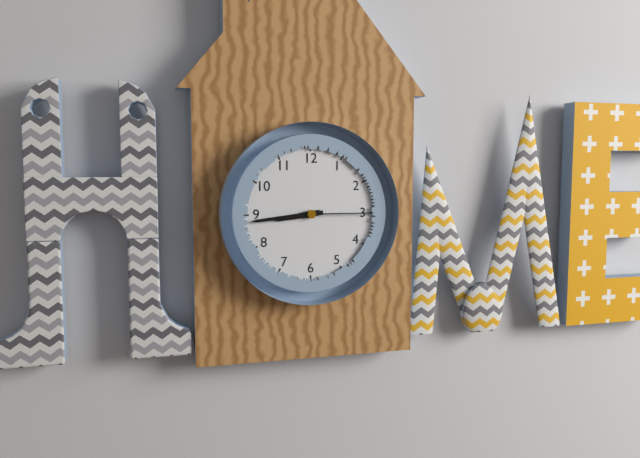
8:44:15
